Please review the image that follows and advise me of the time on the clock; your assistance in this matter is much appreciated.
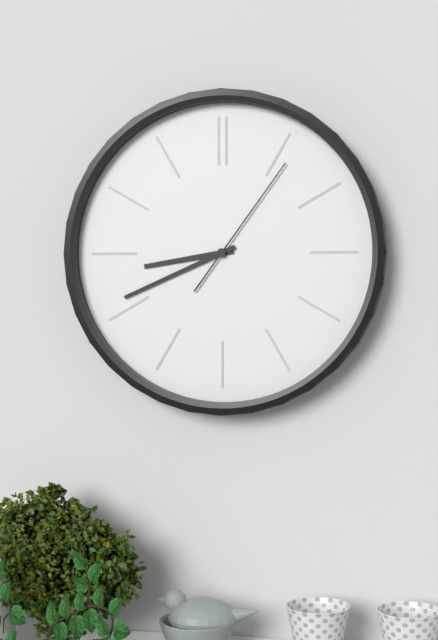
8:41:06
